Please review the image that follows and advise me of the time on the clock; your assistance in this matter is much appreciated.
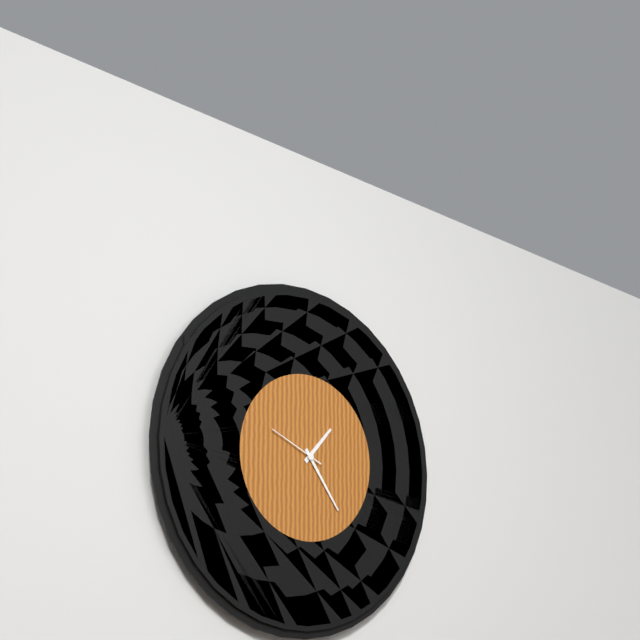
1:24:49
